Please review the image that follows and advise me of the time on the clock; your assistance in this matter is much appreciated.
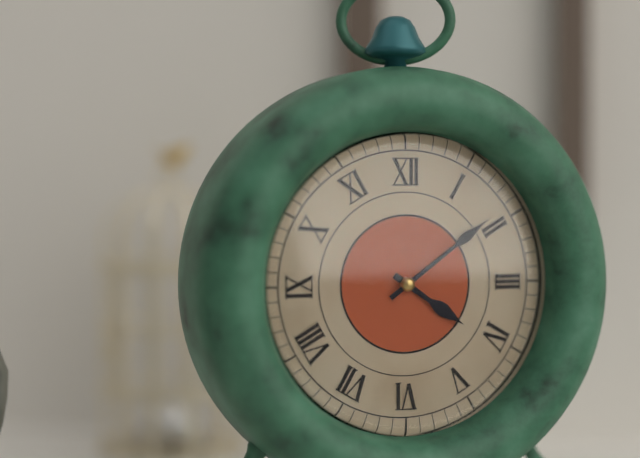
4:09
